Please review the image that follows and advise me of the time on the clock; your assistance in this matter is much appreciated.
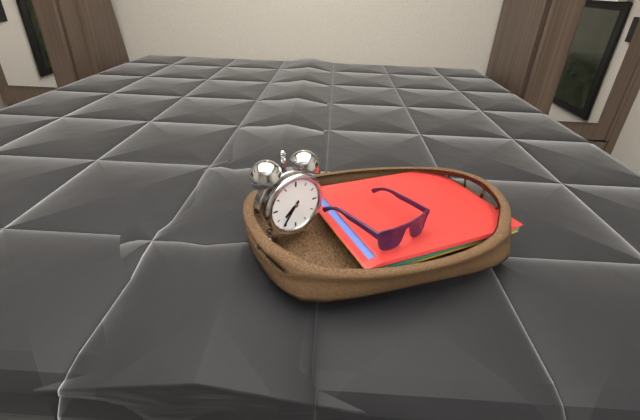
7:36
